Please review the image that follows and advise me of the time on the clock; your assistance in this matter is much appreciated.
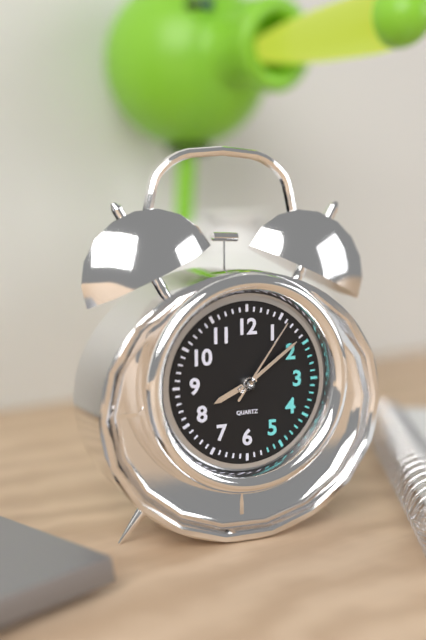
8:09:06
